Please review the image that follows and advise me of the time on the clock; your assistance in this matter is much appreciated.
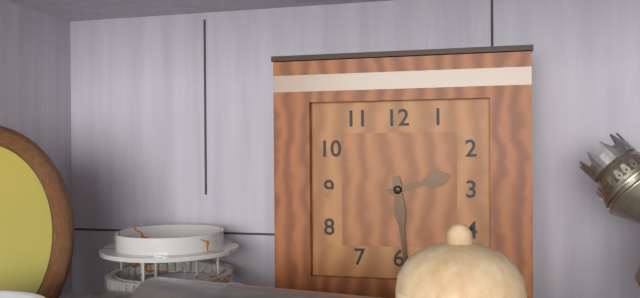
2:29
